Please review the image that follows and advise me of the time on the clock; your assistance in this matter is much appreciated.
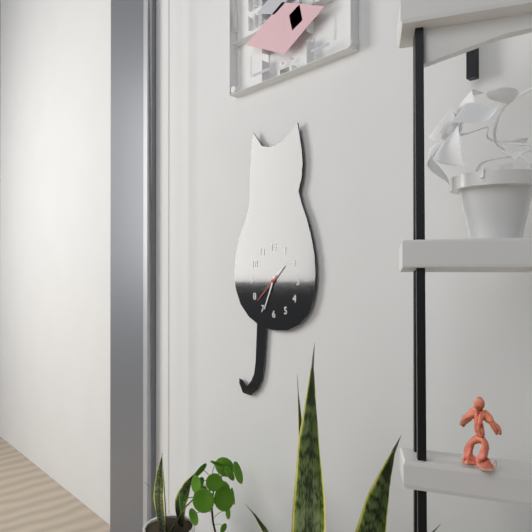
1:34
